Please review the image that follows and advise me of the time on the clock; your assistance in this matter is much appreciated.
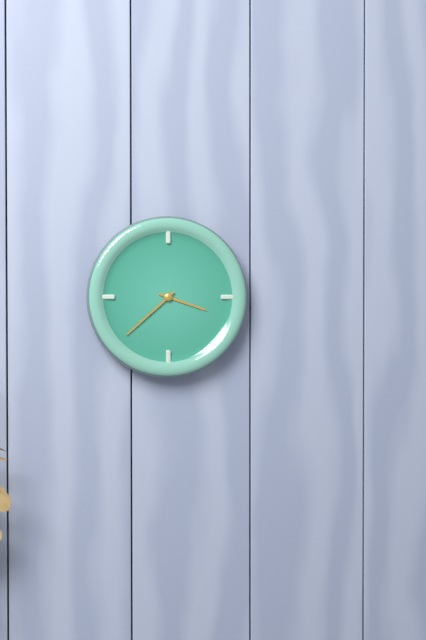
3:38
